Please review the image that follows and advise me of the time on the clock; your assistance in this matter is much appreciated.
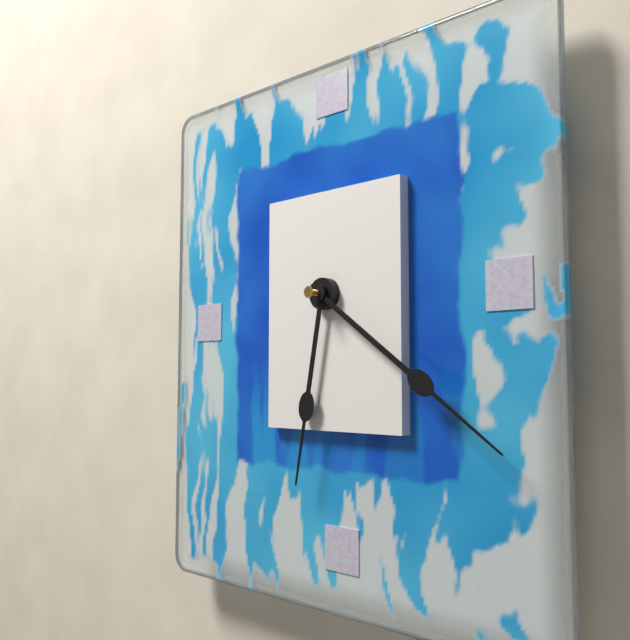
6:21
